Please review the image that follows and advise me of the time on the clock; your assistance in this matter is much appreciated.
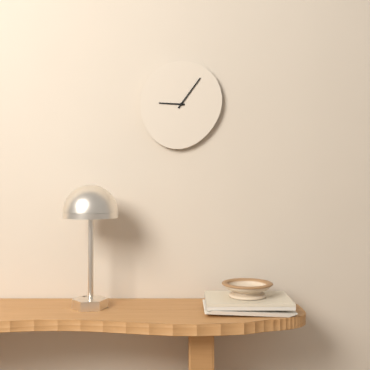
9:06
